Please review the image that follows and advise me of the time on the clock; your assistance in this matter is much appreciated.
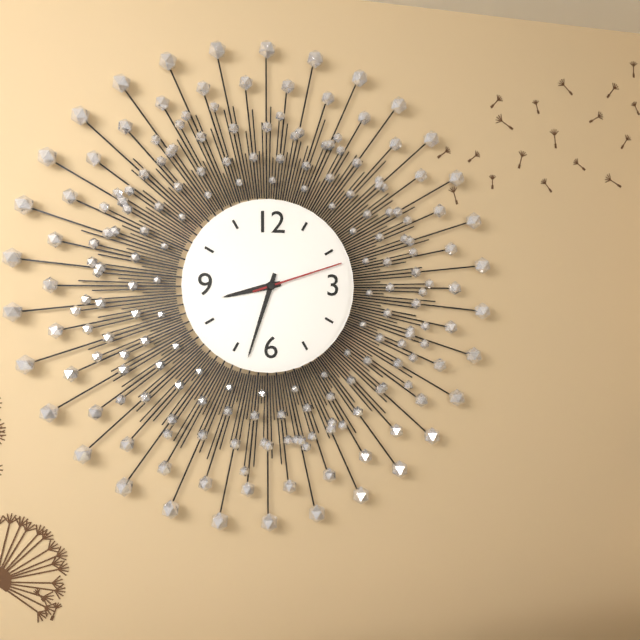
8:33:12
